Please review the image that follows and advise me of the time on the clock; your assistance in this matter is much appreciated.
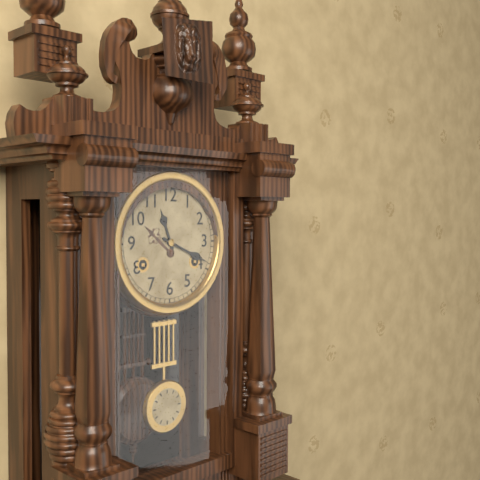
11:19
